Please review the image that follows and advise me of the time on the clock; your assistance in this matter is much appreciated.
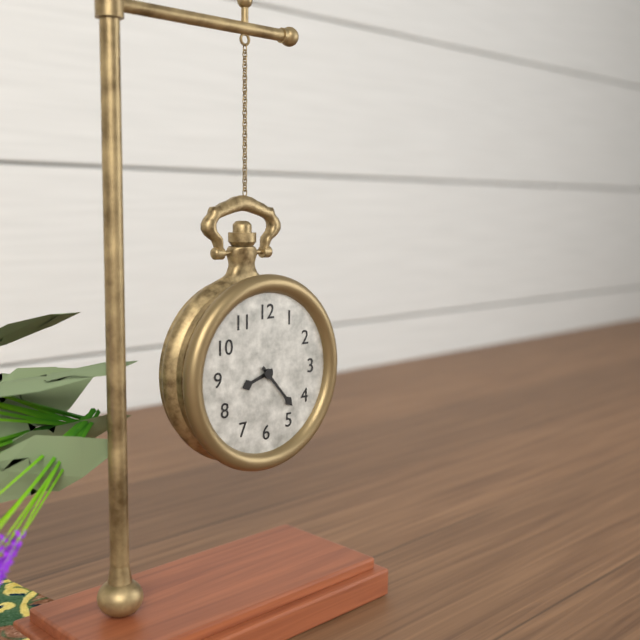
8:23
